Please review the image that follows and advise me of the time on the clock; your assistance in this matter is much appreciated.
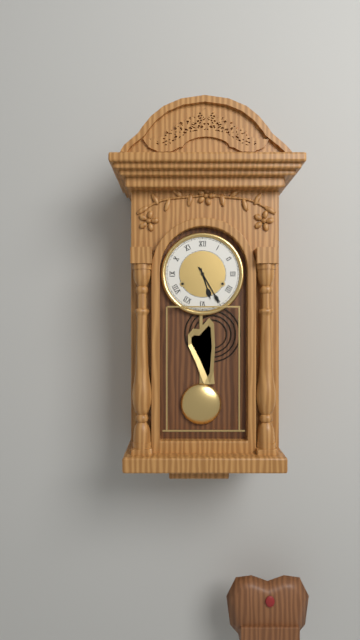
5:25
